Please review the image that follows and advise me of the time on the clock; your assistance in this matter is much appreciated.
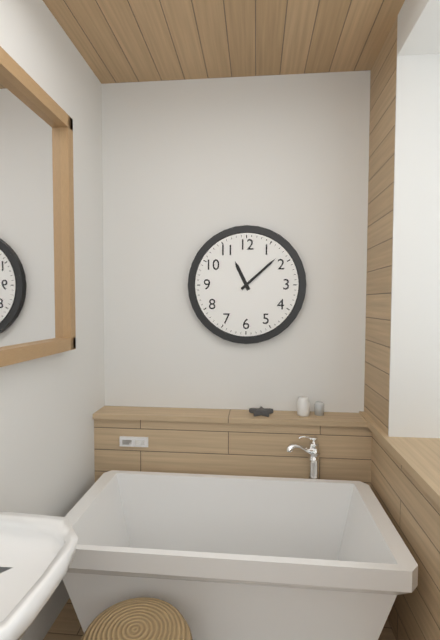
11:08
